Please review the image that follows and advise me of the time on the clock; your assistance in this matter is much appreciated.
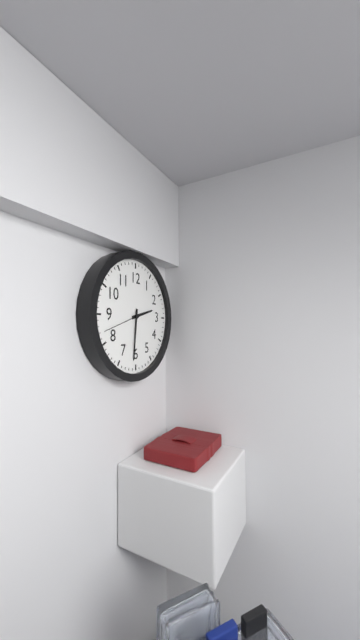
2:31
